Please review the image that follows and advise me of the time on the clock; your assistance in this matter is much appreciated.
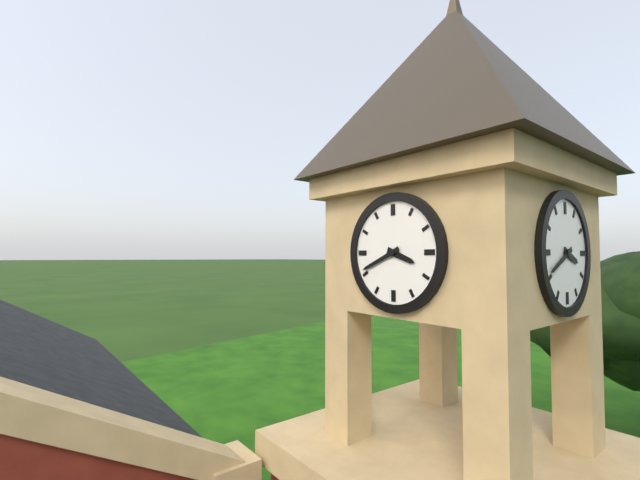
3:41
